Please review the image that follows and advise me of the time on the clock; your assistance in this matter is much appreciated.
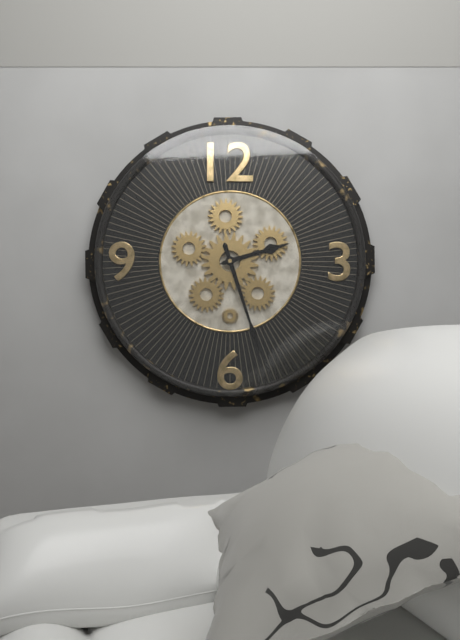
2:27
